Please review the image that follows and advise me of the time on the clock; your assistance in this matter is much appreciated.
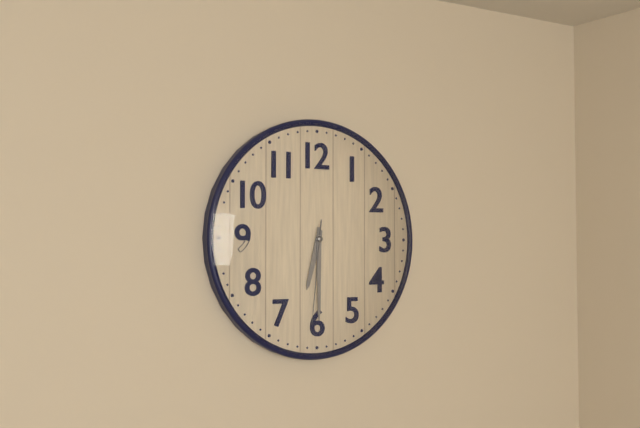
6:30:31
